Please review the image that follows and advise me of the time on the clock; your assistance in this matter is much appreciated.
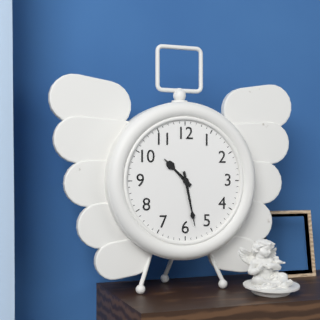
10:28
